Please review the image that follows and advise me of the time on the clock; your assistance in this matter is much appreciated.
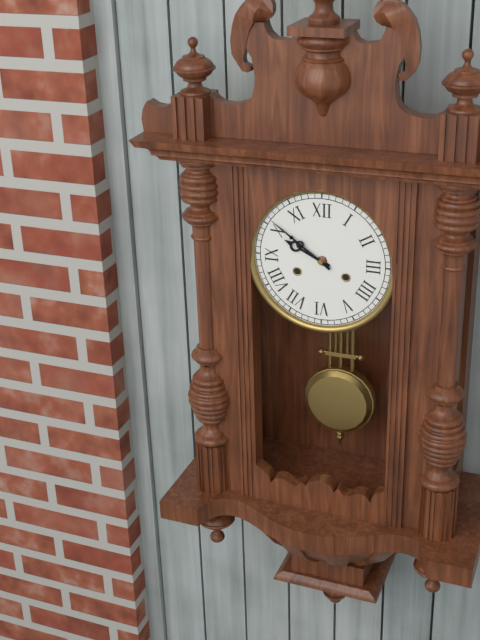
9:51
